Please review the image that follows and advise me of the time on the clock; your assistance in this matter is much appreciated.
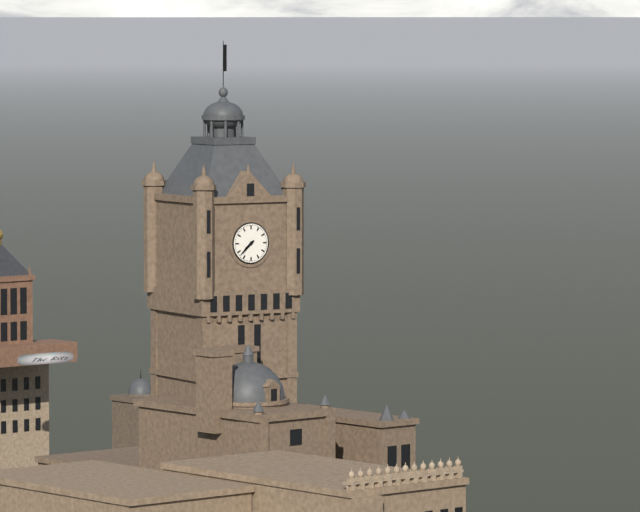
7:38
